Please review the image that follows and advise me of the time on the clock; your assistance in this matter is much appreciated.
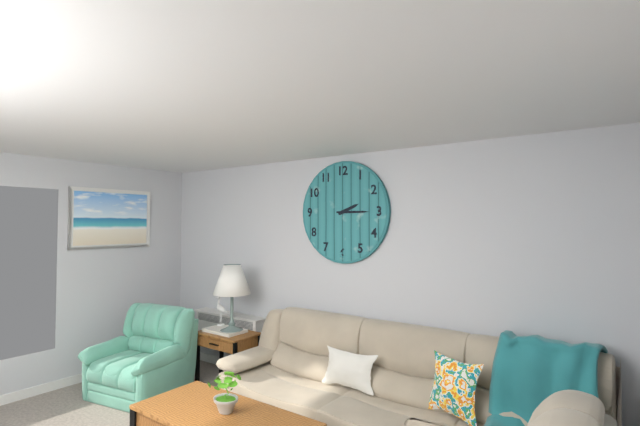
2:15
